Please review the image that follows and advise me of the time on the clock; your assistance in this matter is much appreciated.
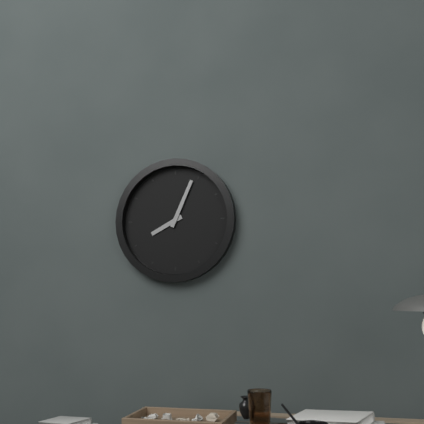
8:04
